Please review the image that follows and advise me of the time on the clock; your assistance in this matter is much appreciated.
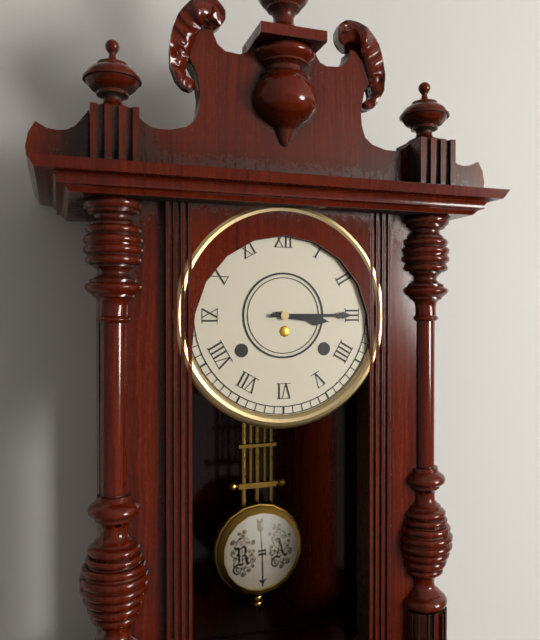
3:15
